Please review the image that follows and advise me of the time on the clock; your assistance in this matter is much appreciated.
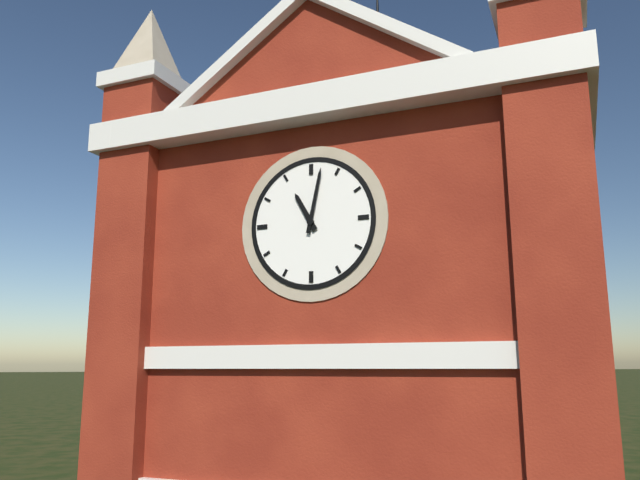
11:02
